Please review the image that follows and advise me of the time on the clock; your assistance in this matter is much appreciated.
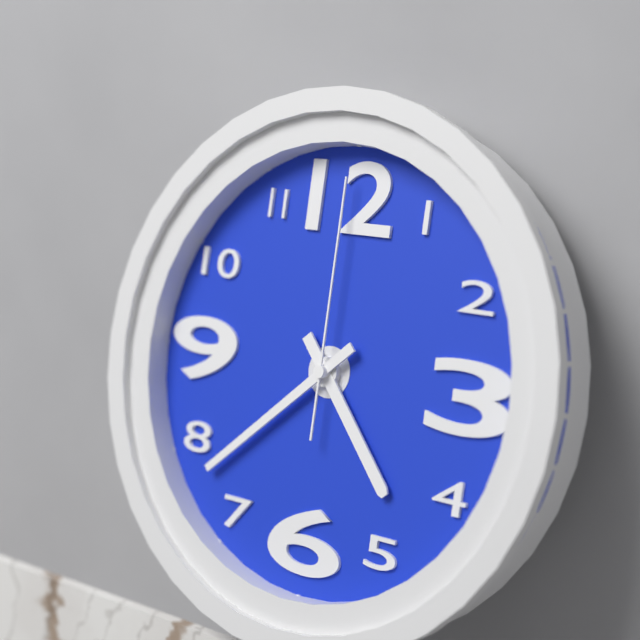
4:38:00
